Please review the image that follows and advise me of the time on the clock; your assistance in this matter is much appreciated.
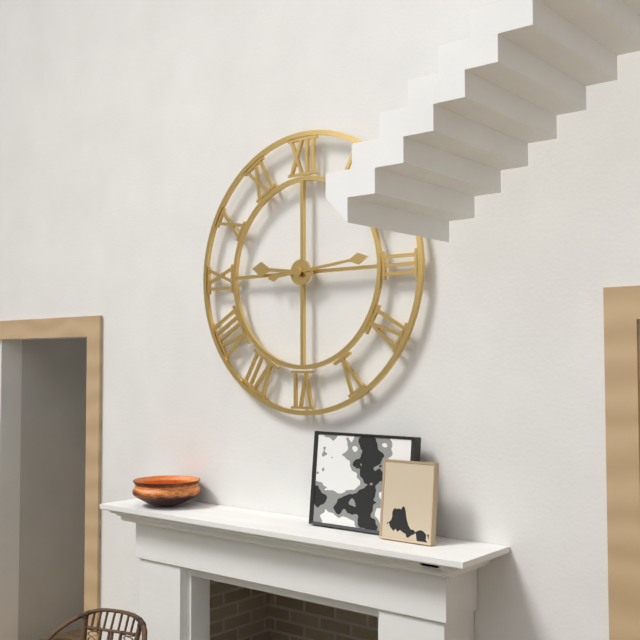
9:14
